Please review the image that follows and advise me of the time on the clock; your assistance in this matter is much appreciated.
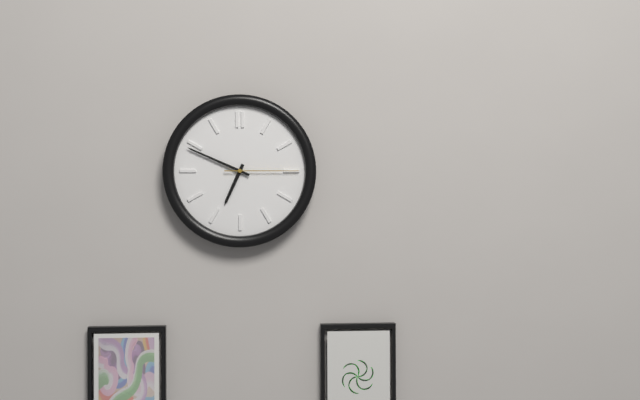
6:49:15
